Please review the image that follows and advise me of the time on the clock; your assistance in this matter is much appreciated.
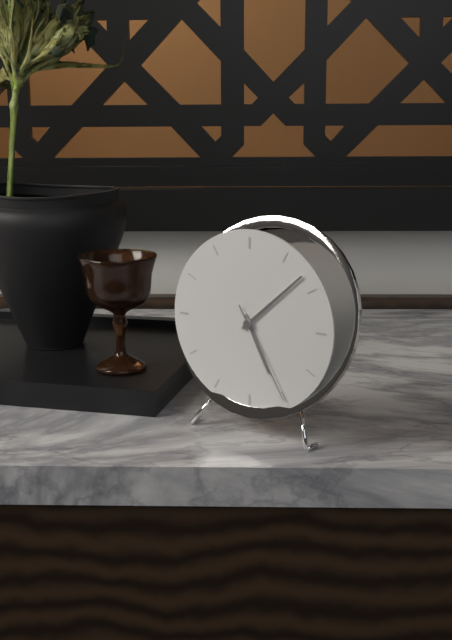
5:08:25
